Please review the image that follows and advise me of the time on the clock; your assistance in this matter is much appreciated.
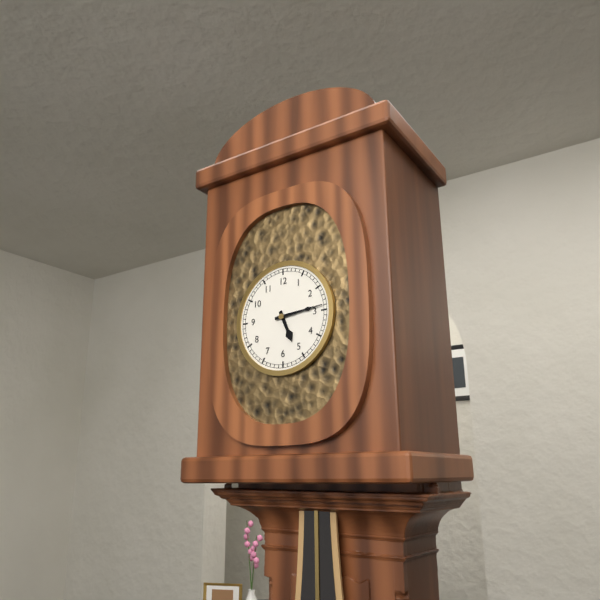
5:14
